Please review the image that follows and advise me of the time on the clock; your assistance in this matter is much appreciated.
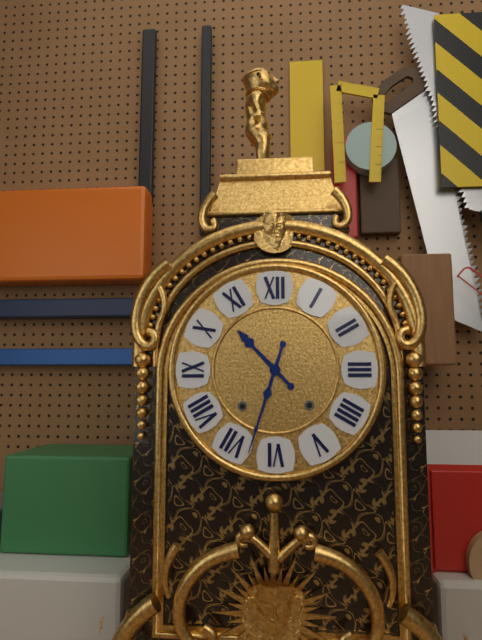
10:33
